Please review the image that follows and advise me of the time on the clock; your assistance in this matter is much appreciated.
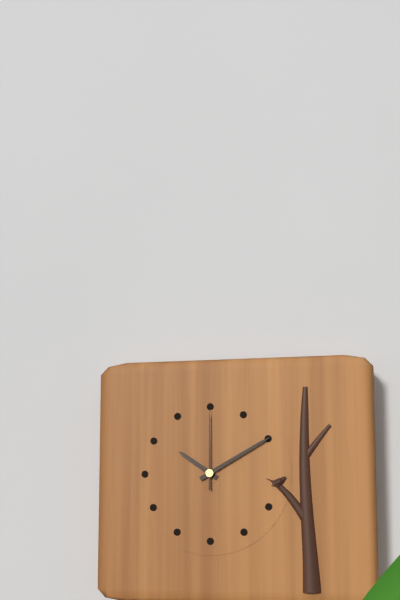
10:10:00
